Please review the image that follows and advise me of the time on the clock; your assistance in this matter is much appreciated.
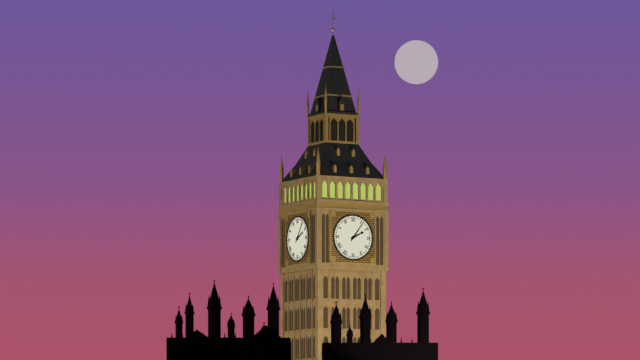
2:06
